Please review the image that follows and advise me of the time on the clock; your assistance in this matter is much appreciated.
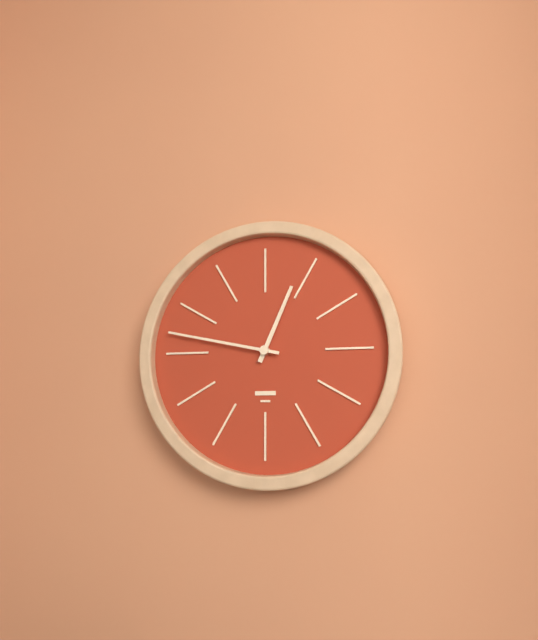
12:47
